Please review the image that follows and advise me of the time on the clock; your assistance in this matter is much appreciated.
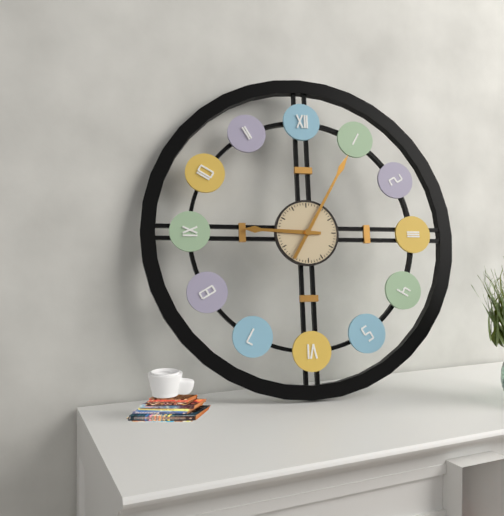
9:05
